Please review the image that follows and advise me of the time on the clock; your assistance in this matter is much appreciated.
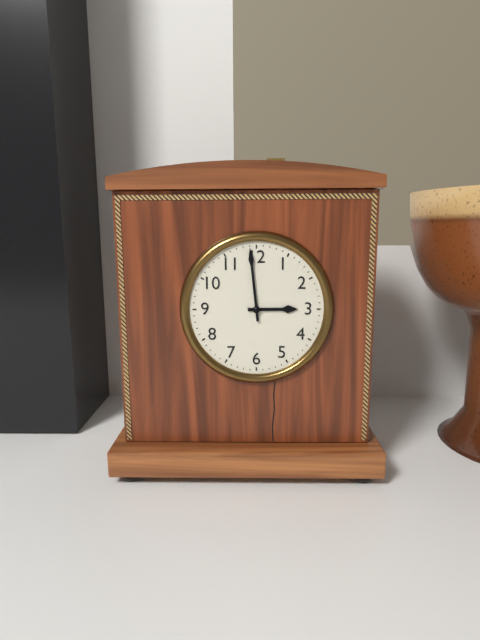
2:59
